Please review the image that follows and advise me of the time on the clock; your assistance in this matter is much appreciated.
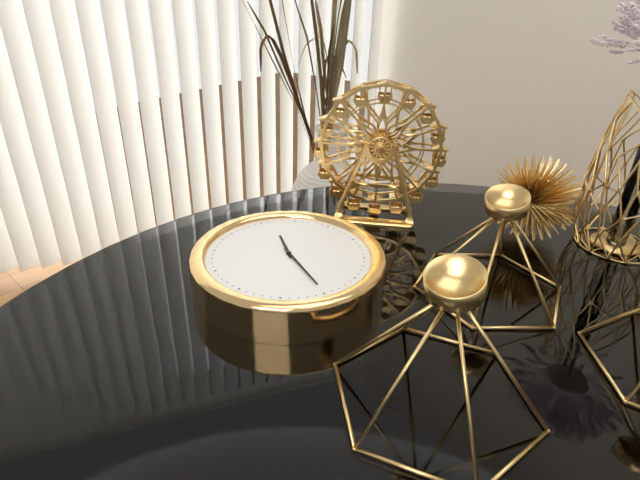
10:20
